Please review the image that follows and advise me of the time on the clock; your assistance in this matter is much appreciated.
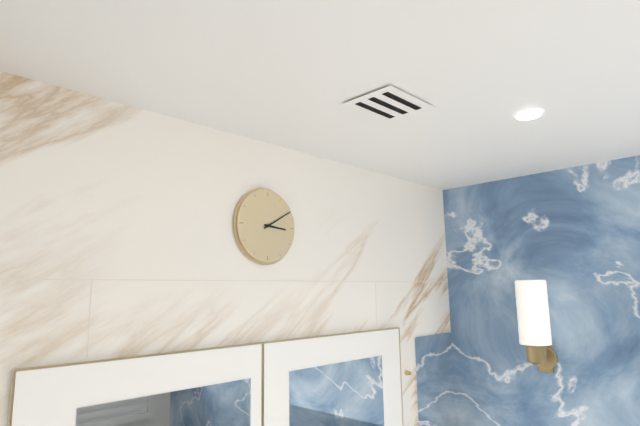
3:10
